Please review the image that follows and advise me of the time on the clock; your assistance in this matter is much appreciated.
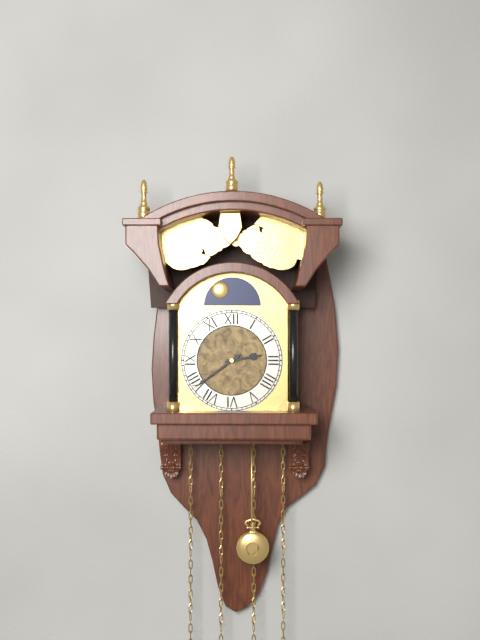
2:39
